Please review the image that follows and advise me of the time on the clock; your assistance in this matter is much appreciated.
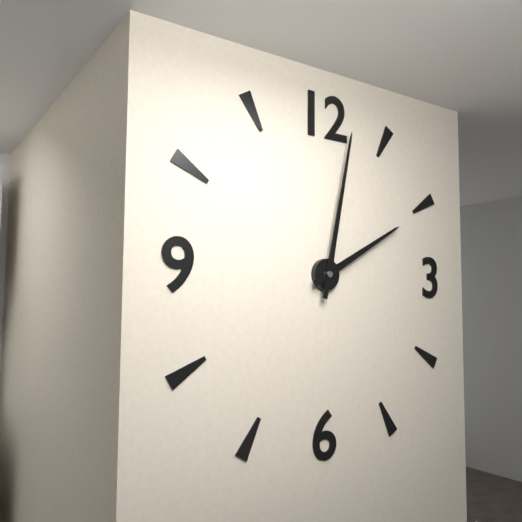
2:02
